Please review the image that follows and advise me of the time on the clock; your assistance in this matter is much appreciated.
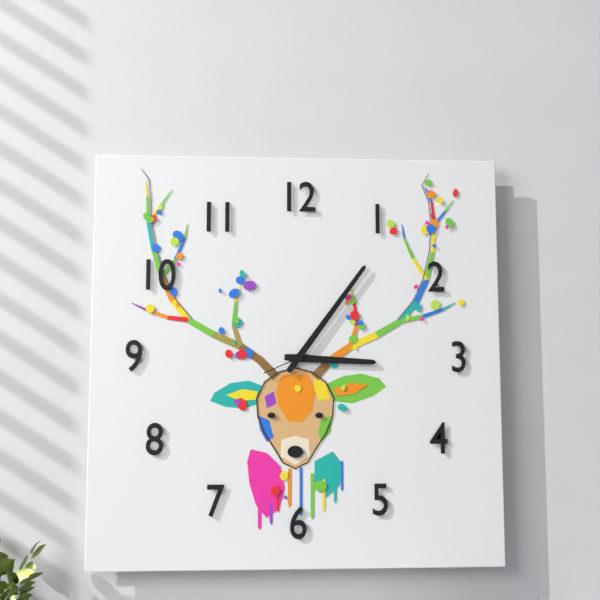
3:06
